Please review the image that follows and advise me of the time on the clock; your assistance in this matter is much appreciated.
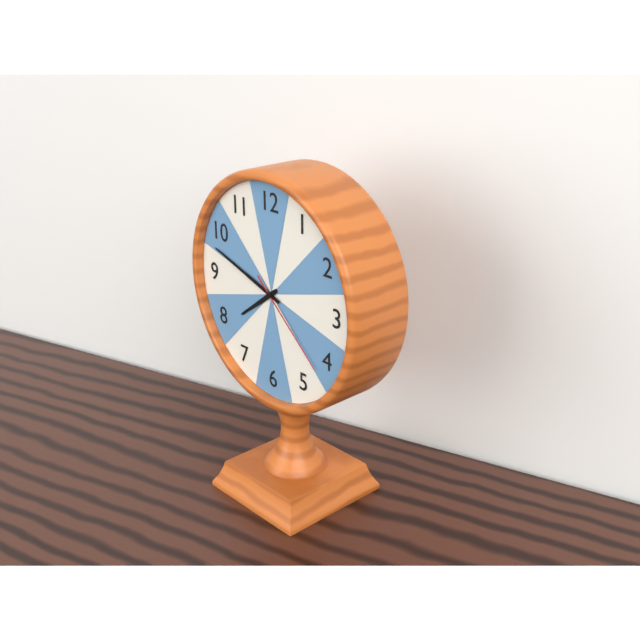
7:48:22
